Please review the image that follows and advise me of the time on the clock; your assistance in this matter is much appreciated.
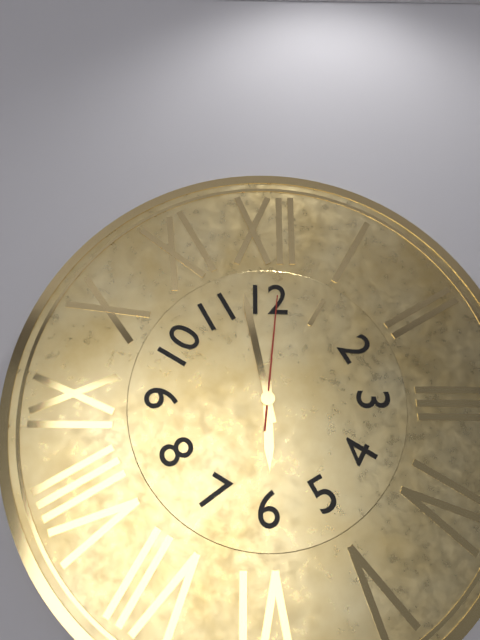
5:58:01
